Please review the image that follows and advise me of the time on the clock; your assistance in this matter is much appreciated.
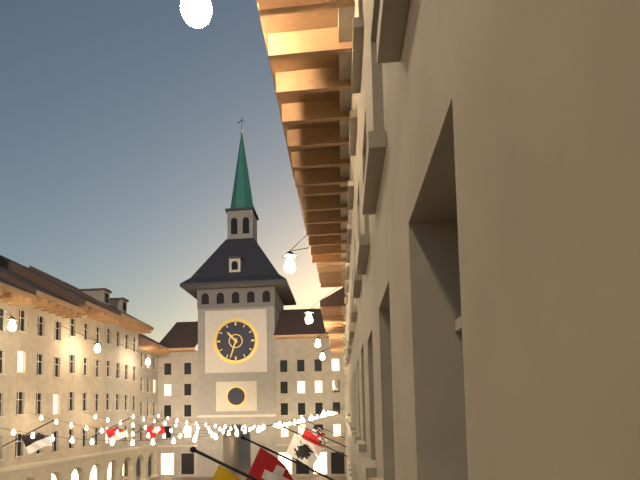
10:33
